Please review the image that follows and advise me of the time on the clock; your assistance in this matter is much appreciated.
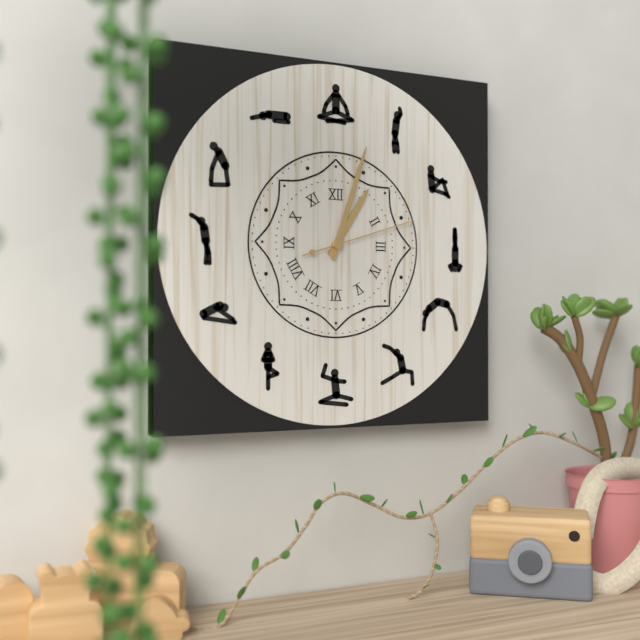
1:03:12
